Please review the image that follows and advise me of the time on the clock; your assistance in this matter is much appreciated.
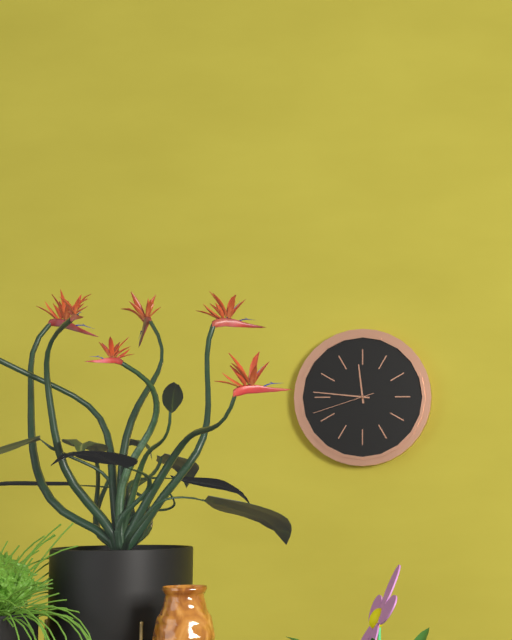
11:46:42
